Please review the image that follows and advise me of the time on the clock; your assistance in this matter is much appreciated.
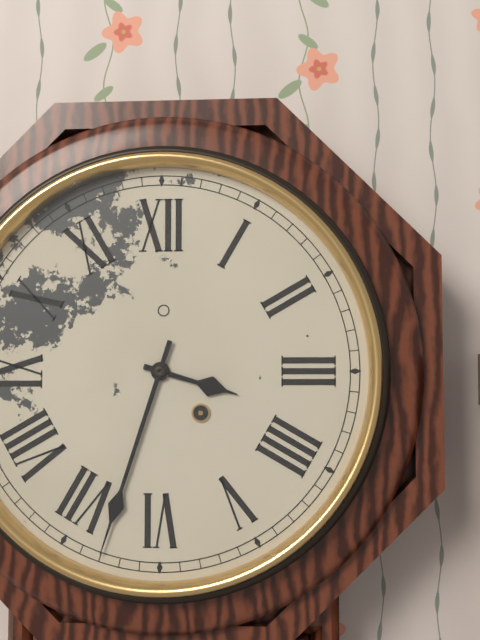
3:33
